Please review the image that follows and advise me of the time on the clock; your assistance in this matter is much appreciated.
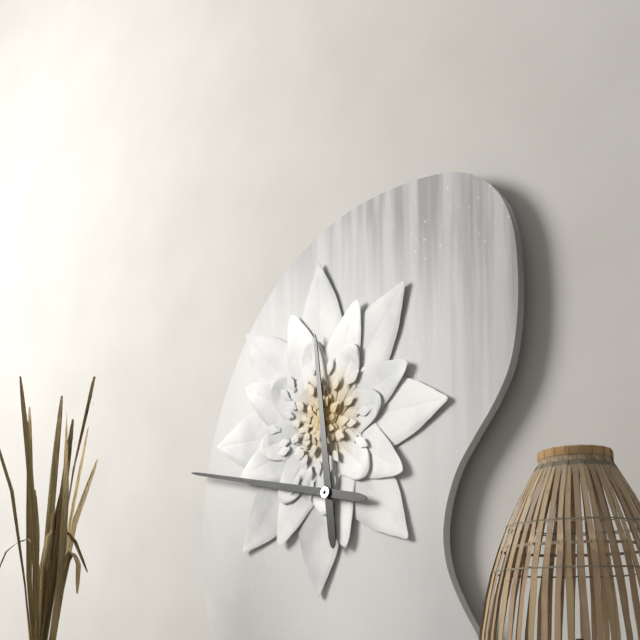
11:47
